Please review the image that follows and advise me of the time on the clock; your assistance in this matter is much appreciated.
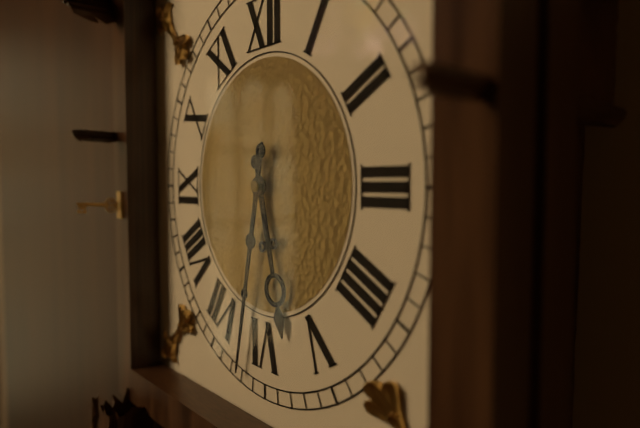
5:32
